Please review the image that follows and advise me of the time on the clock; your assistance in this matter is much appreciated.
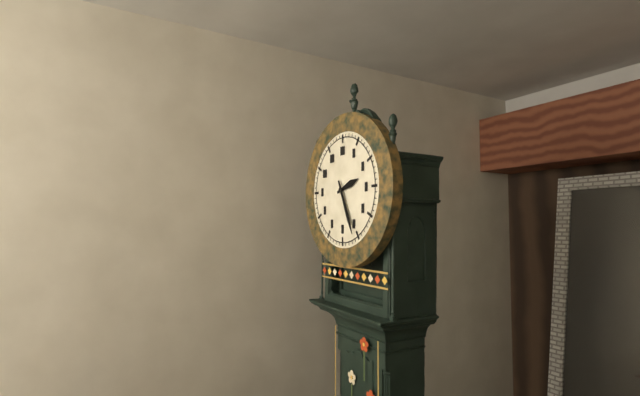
2:26
